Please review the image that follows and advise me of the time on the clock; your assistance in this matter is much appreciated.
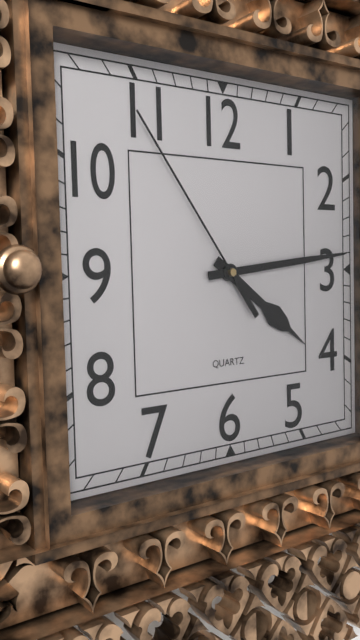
4:14:54
